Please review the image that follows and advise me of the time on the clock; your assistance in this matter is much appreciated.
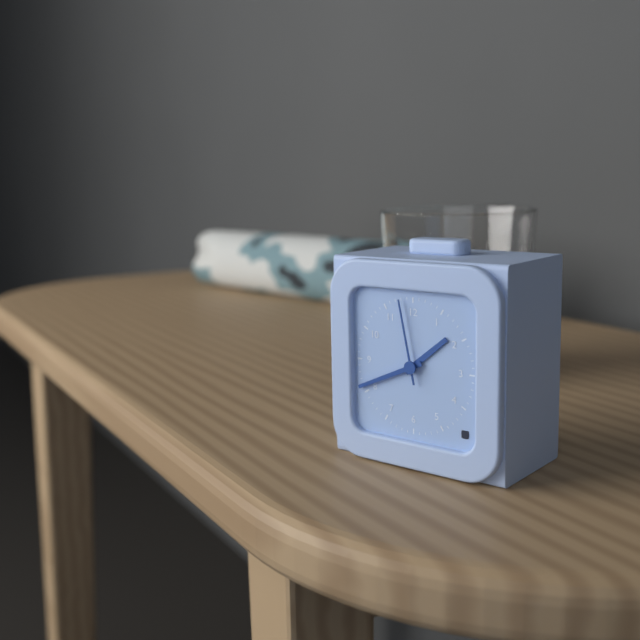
1:41:58
